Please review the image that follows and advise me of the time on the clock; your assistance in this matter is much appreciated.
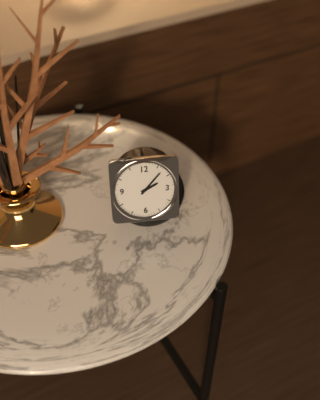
2:07
